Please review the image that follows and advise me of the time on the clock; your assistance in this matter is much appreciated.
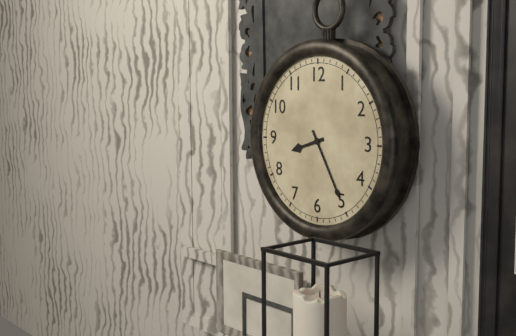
8:25
